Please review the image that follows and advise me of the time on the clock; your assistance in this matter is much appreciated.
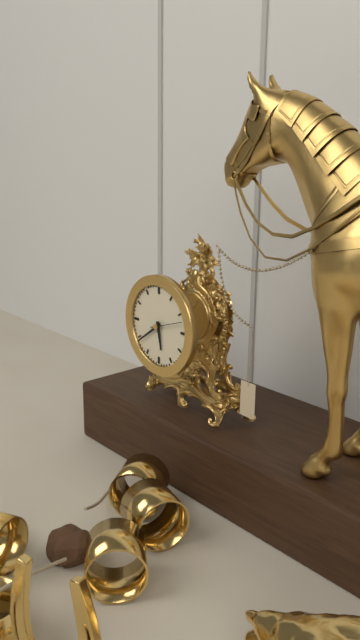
5:39
